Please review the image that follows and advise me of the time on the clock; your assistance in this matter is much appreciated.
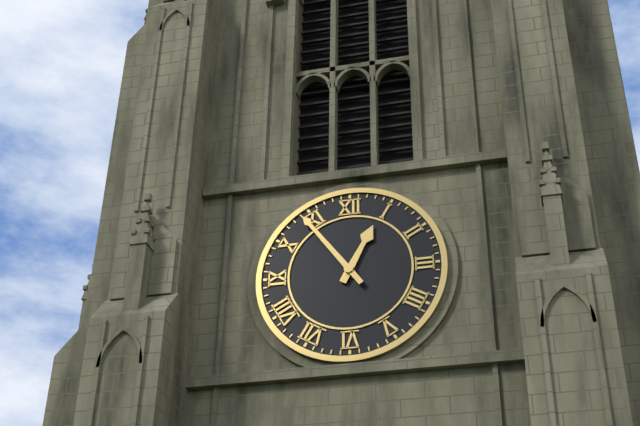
12:54
